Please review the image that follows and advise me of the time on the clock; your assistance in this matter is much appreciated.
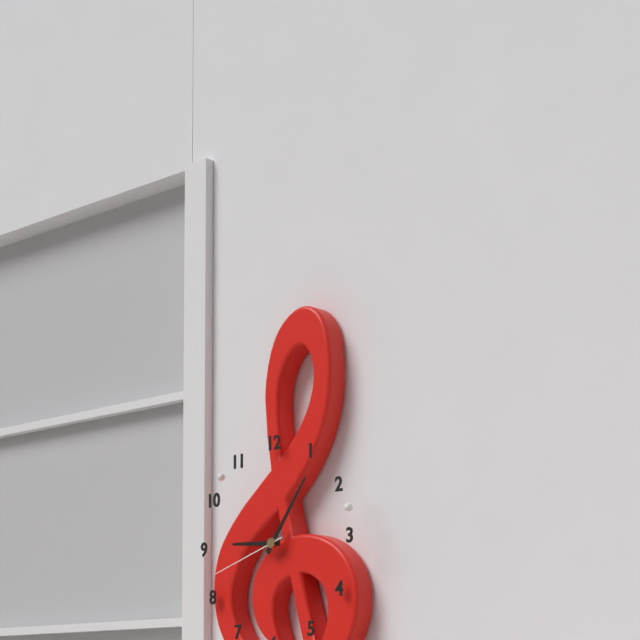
9:06:42
